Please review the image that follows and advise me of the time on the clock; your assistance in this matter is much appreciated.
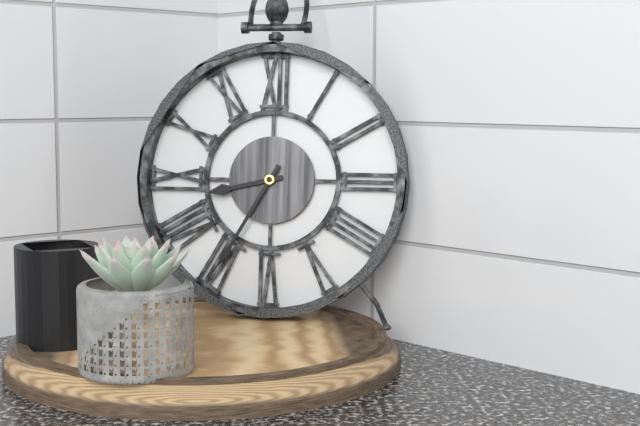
8:35
